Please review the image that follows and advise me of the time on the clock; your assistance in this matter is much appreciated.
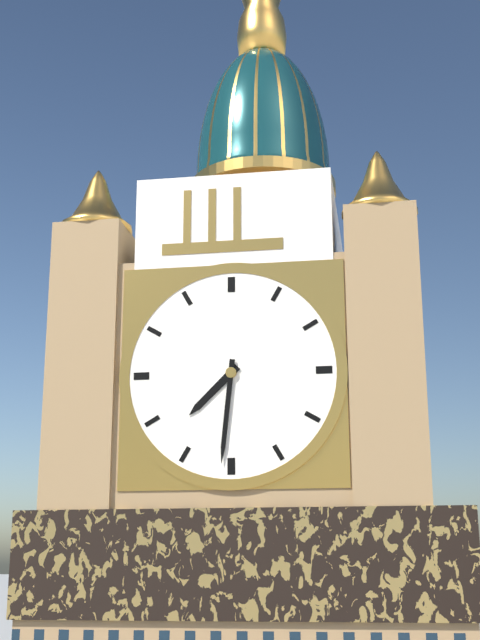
7:31
